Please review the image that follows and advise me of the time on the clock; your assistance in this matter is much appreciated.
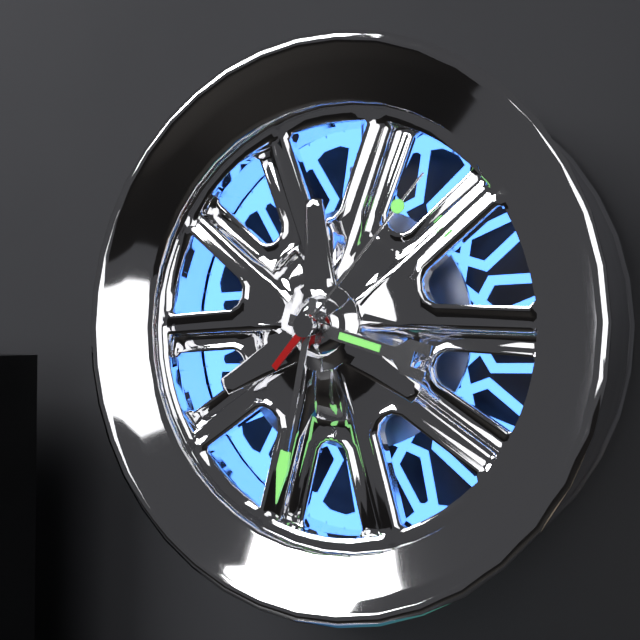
3:32:07
